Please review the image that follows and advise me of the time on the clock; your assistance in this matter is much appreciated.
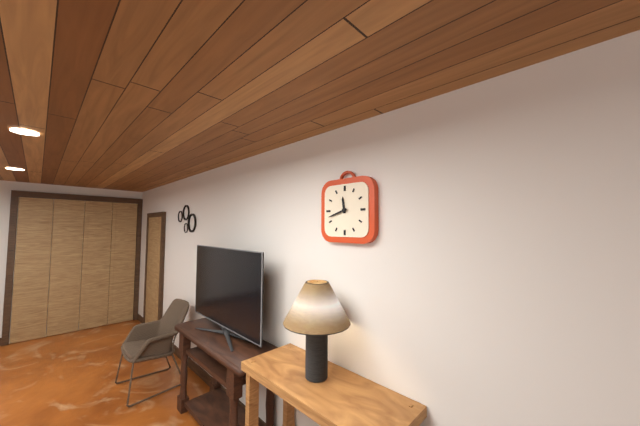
11:42
